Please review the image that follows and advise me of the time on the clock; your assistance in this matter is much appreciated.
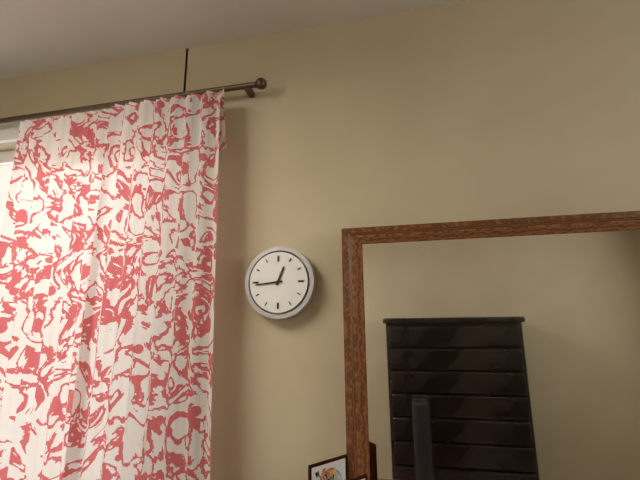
12:44
